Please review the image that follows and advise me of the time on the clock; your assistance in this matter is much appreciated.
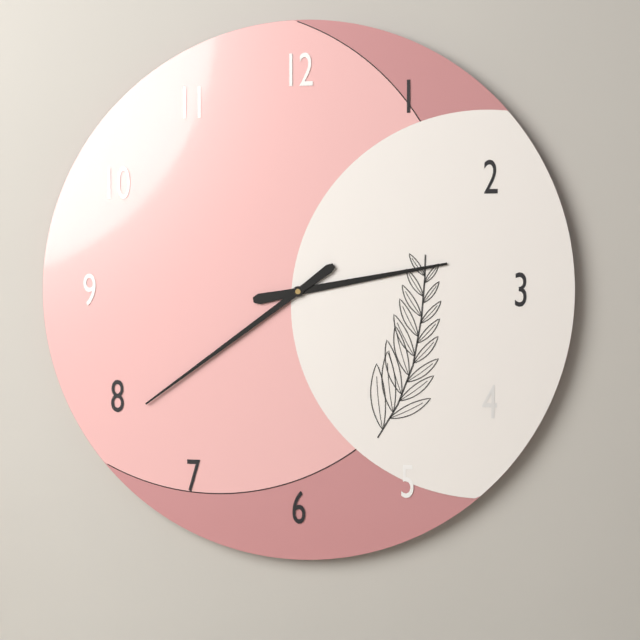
2:39
